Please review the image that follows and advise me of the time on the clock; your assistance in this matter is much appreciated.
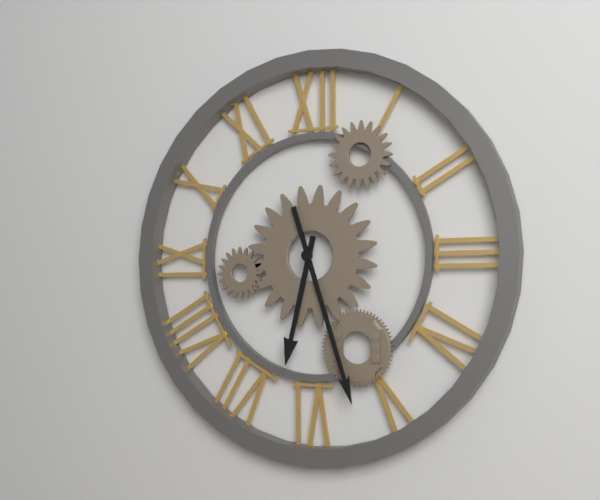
6:27
